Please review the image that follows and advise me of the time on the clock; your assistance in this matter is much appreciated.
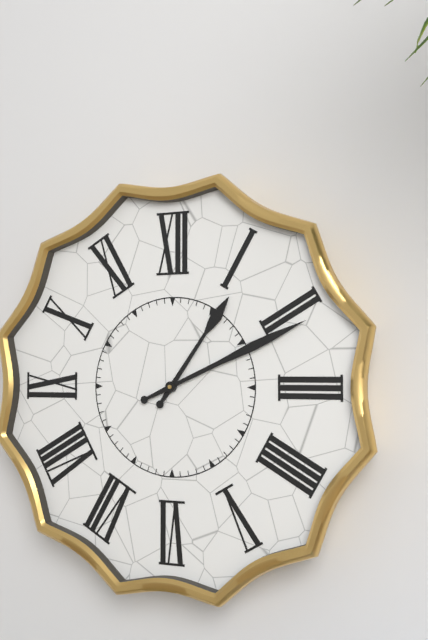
1:11
